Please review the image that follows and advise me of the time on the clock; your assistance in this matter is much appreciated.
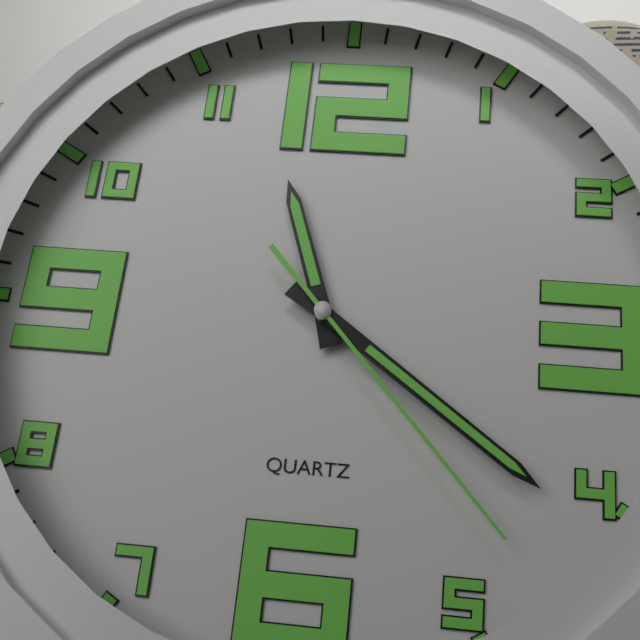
11:21:23
